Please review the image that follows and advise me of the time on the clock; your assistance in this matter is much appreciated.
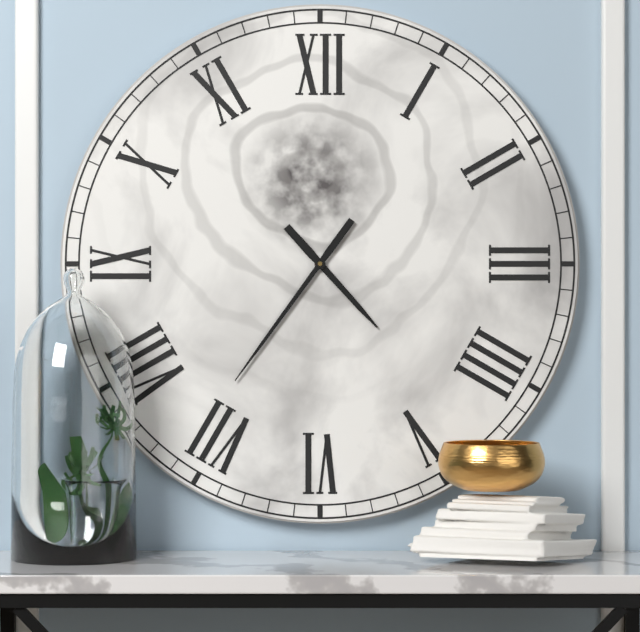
4:36
